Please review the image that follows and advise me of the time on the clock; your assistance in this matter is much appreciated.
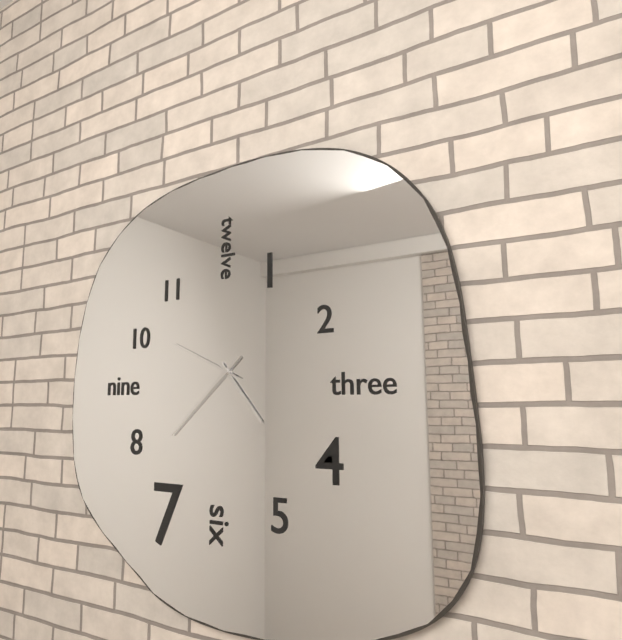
4:38:49
